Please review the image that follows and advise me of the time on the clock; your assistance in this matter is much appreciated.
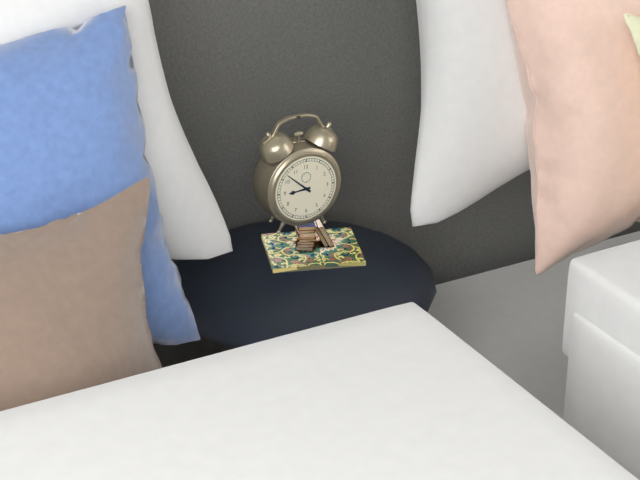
8:52
